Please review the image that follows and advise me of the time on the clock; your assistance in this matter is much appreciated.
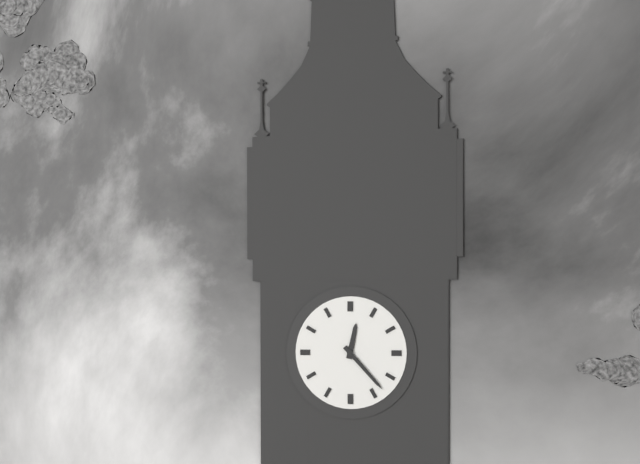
12:23
